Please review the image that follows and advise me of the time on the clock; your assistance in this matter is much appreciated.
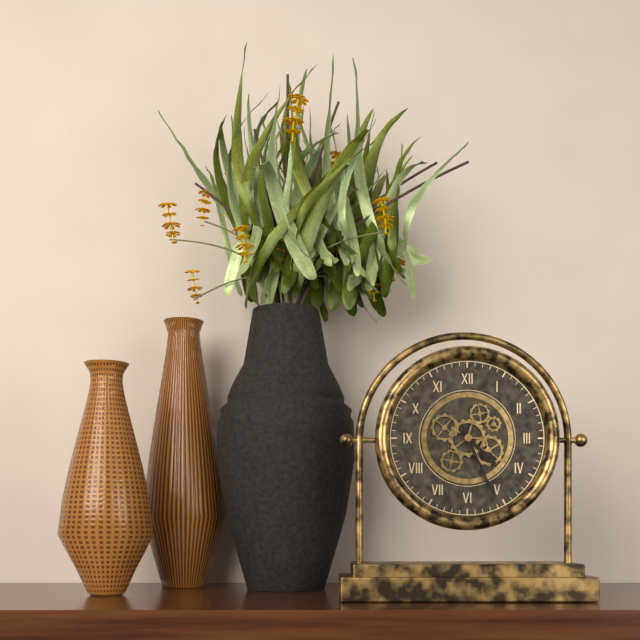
4:26
